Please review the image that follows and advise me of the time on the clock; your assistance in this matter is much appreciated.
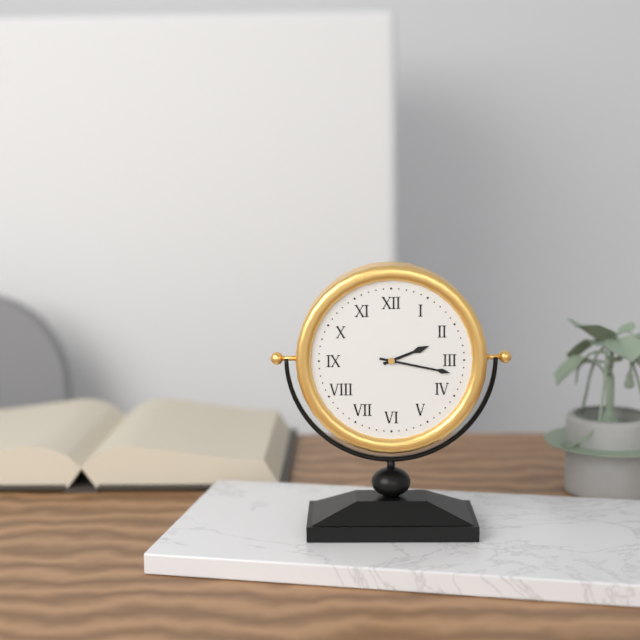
2:17
